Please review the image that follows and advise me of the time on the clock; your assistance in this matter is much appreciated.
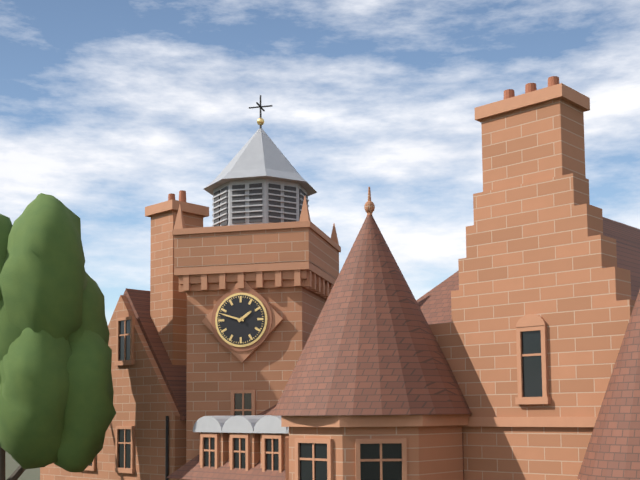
1:48
